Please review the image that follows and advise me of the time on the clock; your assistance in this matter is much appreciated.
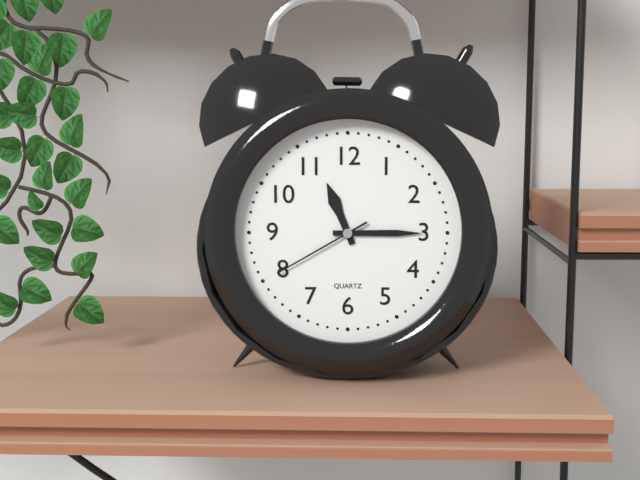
11:15:40
